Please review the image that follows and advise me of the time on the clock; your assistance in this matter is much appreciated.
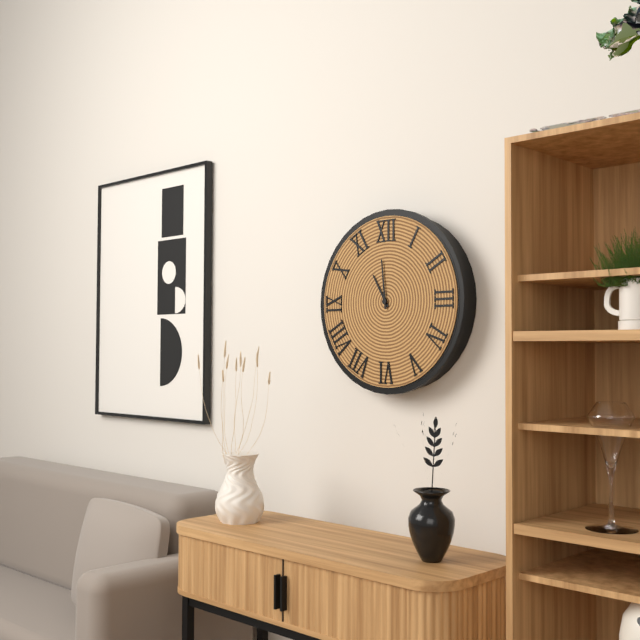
10:59
